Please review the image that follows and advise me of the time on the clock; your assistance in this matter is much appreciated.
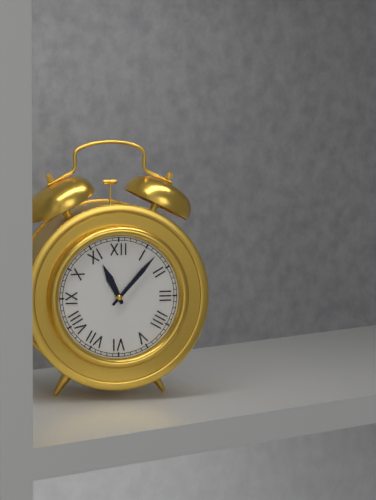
11:07
